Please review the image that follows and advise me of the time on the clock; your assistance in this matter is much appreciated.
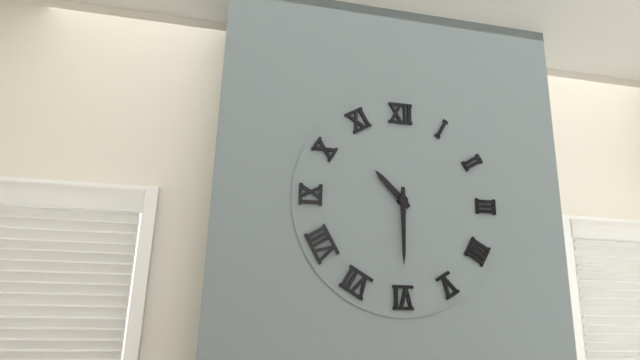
10:30
